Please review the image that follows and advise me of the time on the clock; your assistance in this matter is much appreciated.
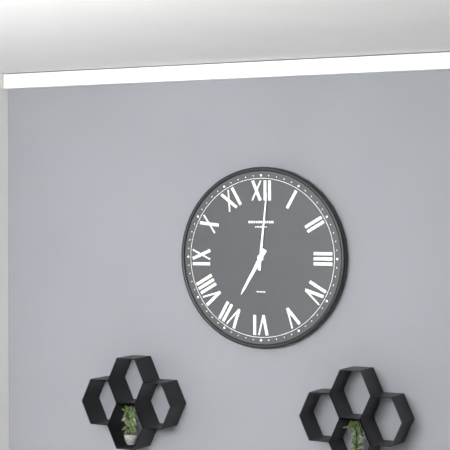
7:01
